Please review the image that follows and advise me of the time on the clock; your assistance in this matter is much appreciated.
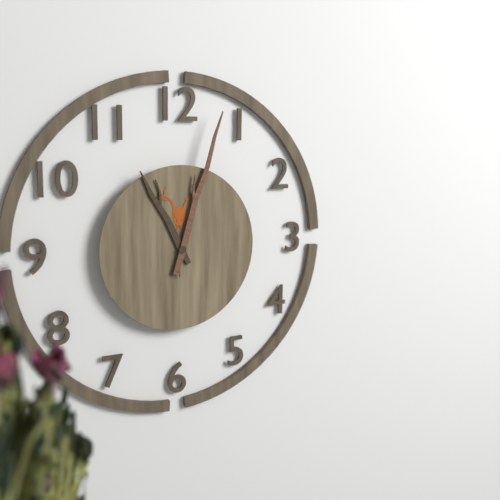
11:03
